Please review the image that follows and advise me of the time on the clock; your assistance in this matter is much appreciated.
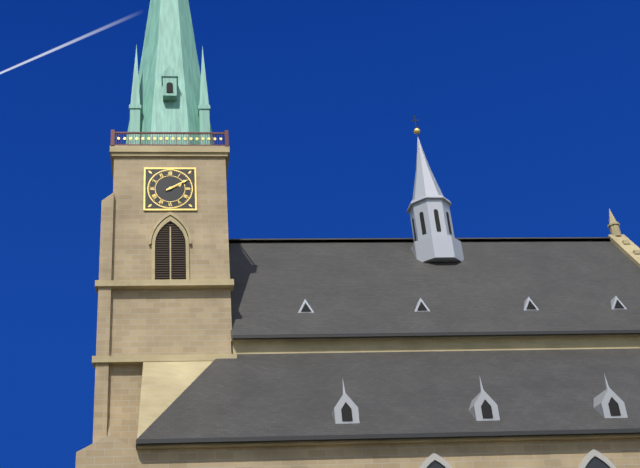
2:10
